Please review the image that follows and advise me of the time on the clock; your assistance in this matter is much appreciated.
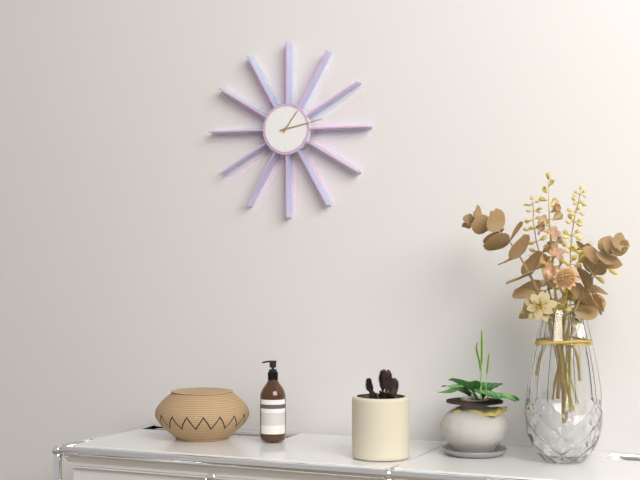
1:13
